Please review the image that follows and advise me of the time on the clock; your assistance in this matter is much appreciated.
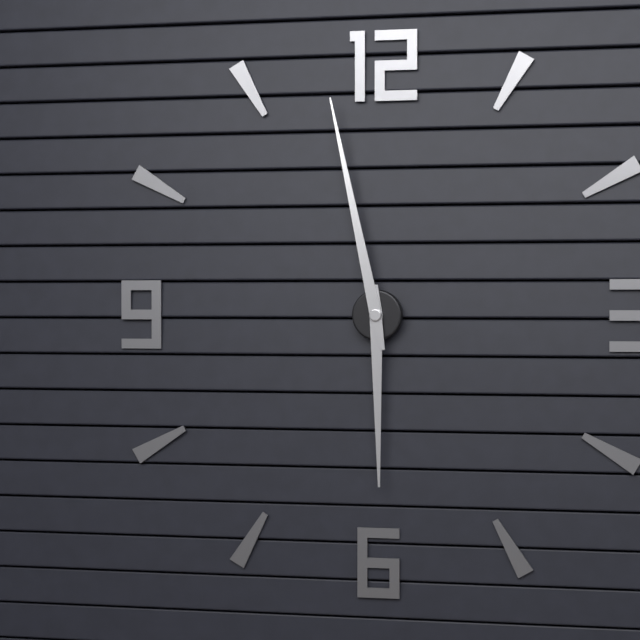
5:58
